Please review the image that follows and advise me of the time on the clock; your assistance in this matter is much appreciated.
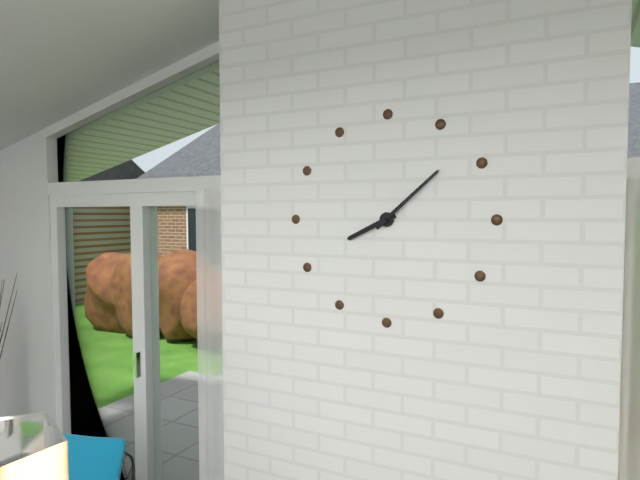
8:08
